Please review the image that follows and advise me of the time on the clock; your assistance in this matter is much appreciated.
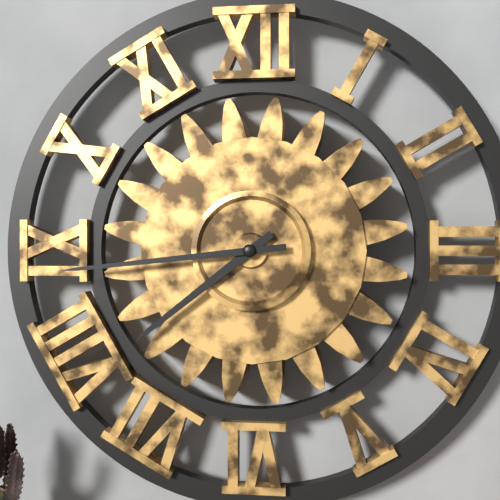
7:44
